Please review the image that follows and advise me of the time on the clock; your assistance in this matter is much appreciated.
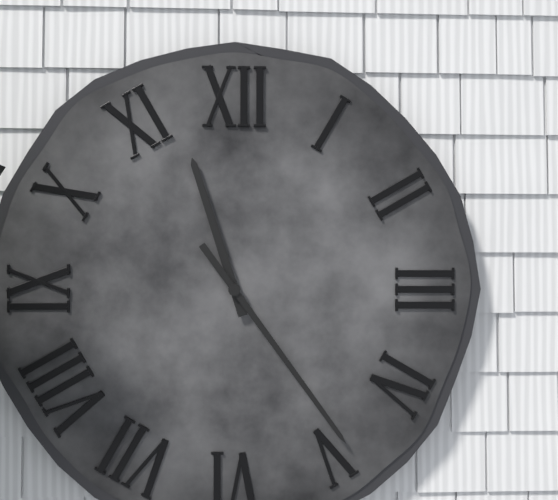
11:24
